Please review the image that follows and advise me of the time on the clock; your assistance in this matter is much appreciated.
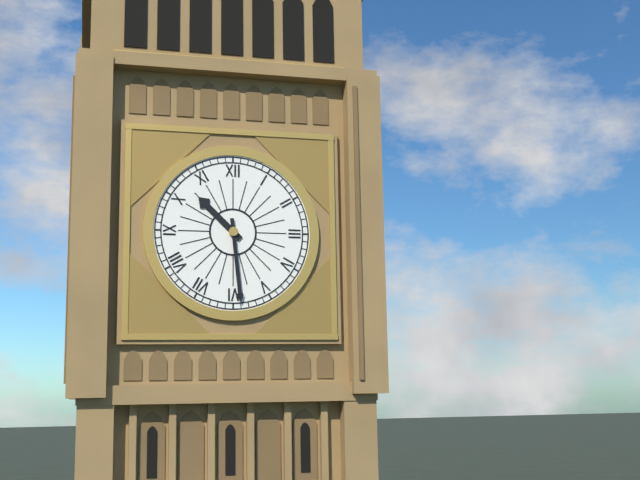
10:29
